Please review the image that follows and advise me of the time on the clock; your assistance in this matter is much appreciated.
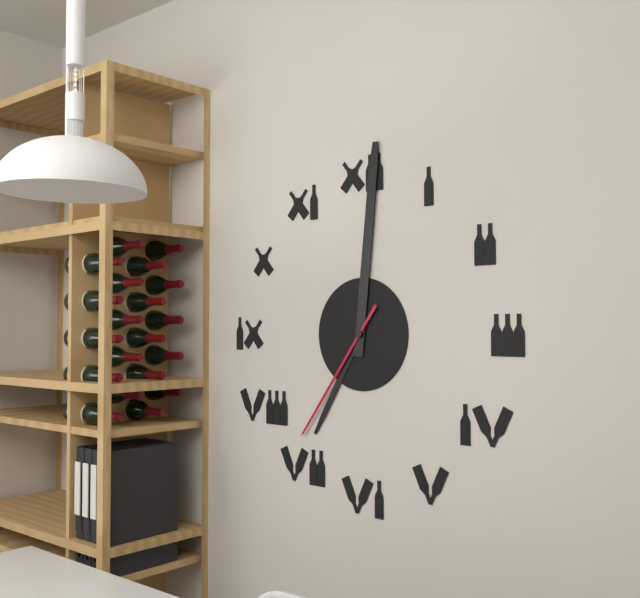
7:01:36
